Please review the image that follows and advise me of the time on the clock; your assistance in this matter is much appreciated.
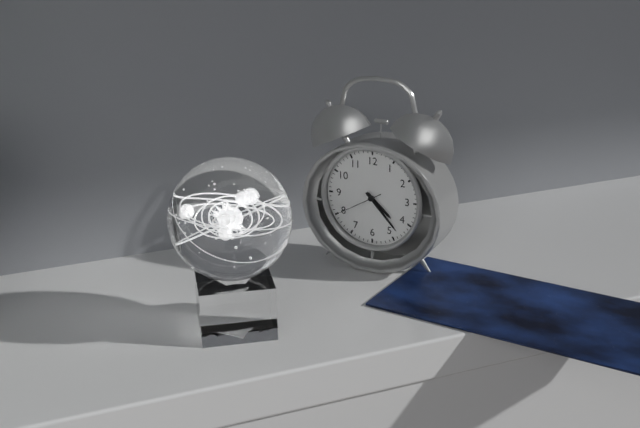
4:23
